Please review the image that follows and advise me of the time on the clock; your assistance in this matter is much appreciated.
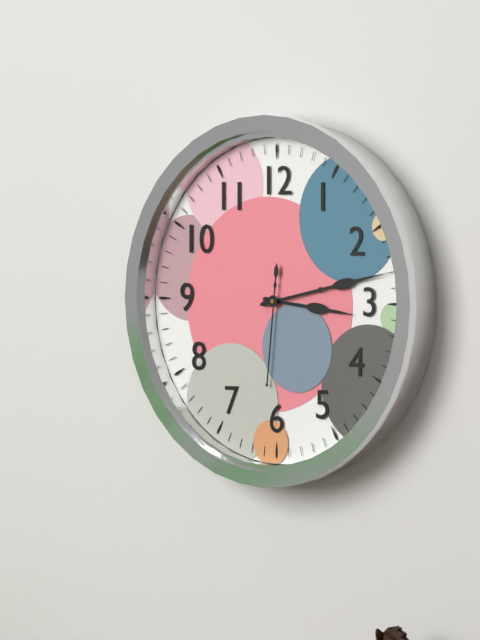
3:13:31
